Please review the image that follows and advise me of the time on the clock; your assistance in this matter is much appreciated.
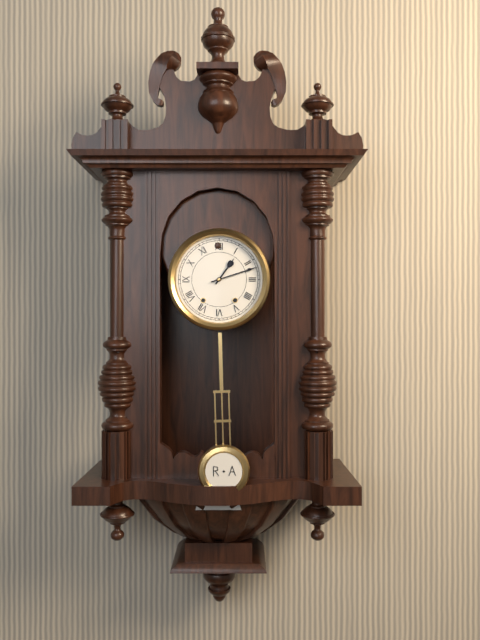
1:12
